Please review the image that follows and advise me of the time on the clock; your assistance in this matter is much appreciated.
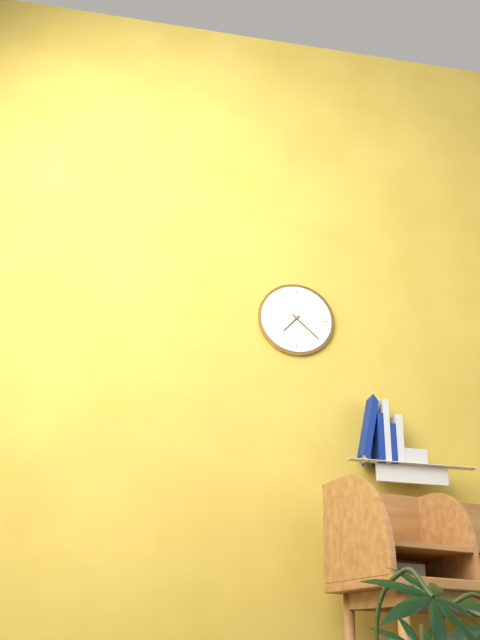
7:22
